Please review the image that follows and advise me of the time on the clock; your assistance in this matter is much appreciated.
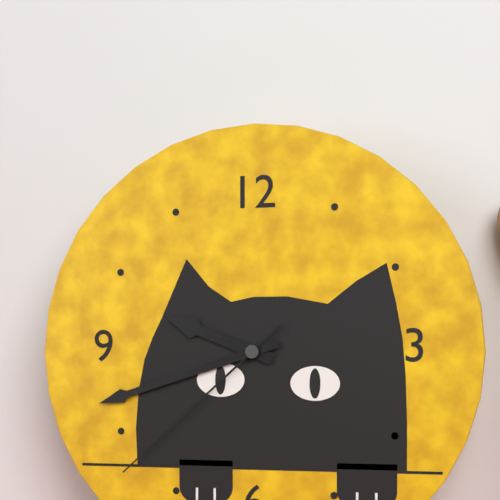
9:42:38
